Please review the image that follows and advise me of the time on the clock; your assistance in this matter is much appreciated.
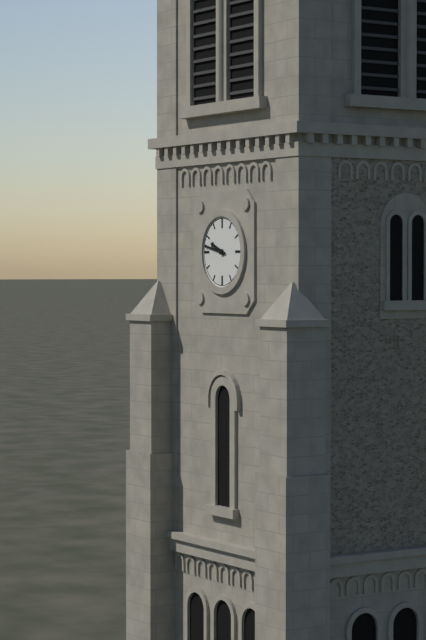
9:47
